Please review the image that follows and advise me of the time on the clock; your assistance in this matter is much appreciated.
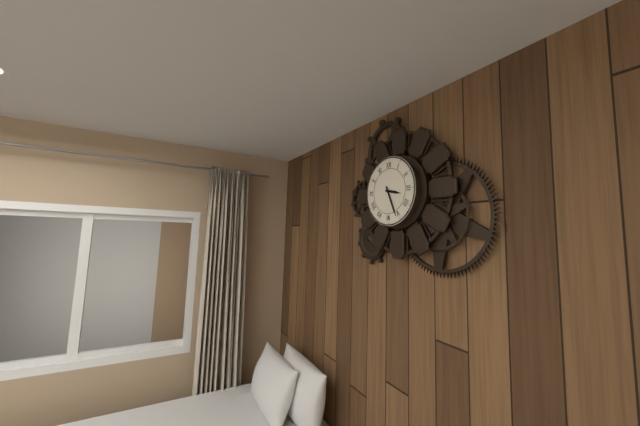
3:26
